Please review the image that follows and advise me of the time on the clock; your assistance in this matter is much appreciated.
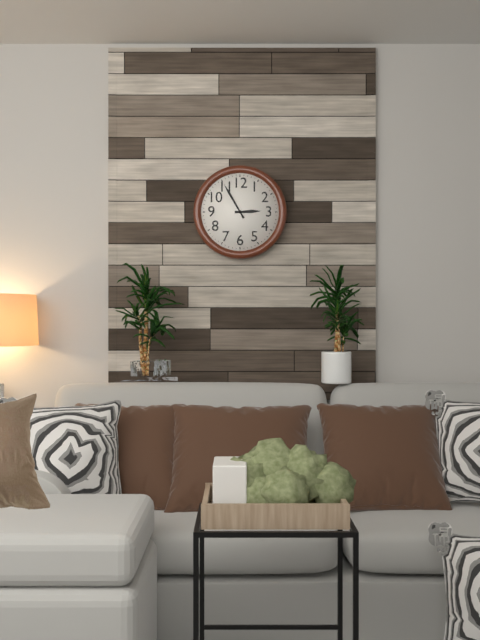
2:55
